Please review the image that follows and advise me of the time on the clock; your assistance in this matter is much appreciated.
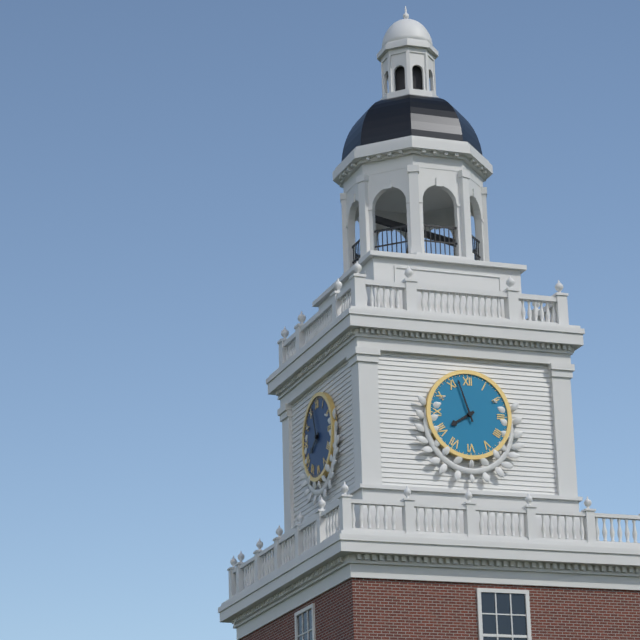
7:57
